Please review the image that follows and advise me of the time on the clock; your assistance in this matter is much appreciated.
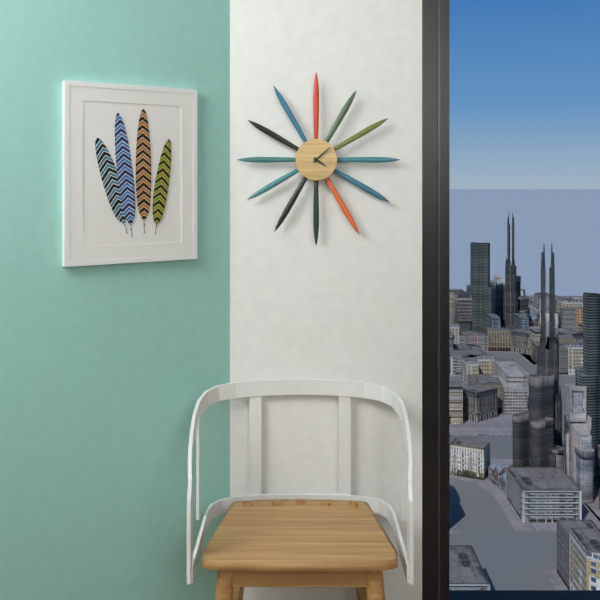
4:08
